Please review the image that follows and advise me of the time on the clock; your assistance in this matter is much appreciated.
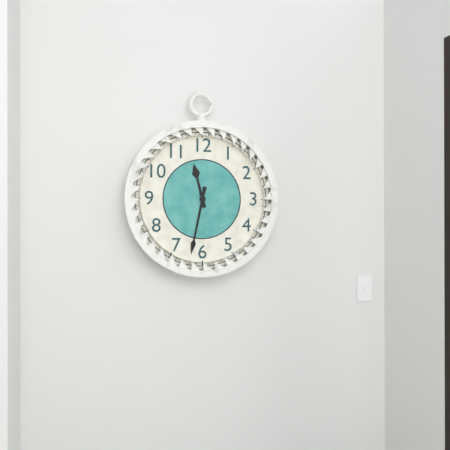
11:32
